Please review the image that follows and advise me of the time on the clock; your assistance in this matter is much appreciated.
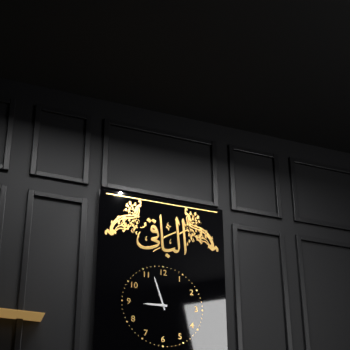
8:57
